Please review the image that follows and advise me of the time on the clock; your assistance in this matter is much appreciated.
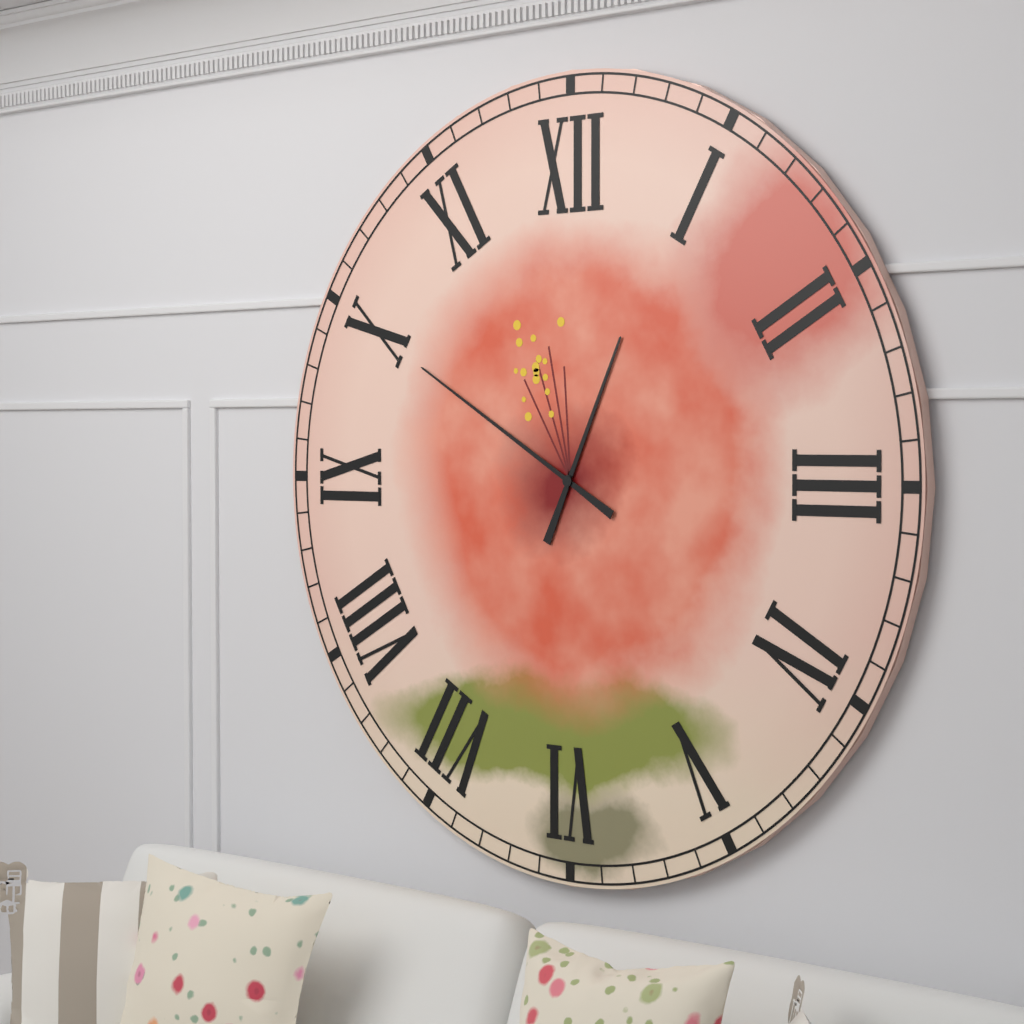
12:50
